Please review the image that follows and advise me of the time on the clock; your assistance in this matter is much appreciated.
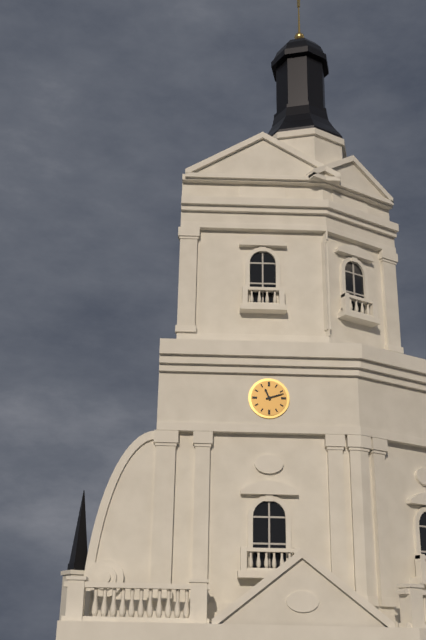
11:12
